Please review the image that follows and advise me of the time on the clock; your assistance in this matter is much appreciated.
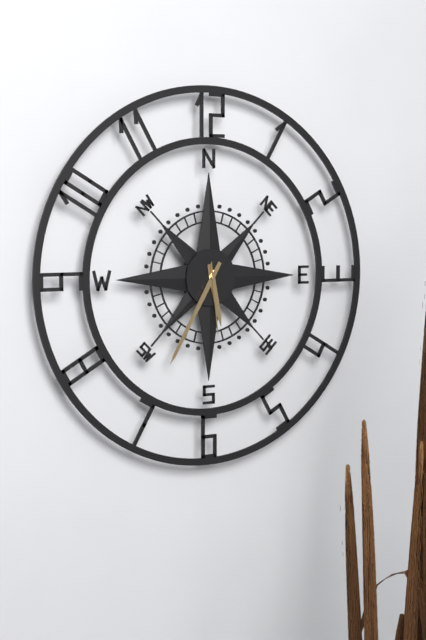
5:35:29
